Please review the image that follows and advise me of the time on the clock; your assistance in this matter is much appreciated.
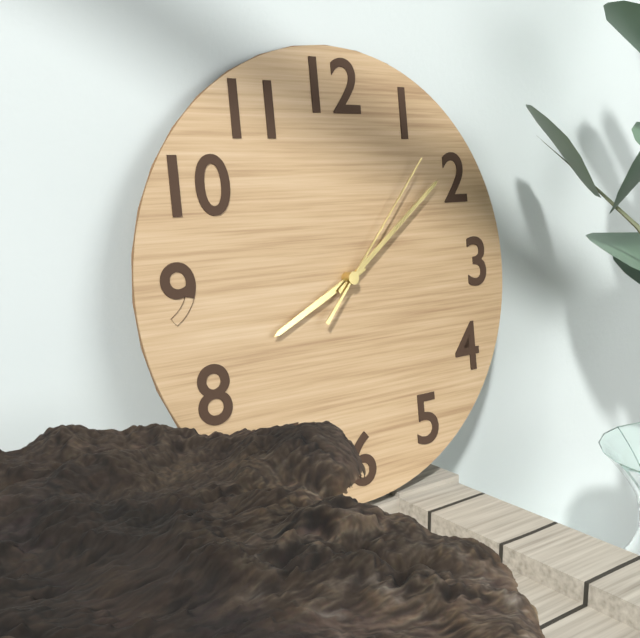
8:09:07
